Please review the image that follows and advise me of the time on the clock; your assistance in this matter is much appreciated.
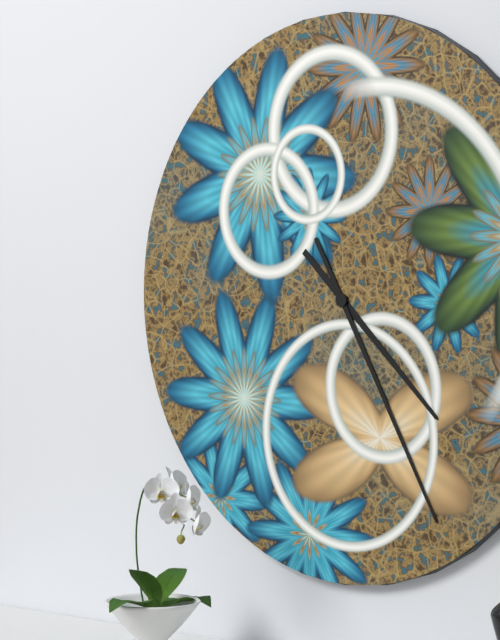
4:25
